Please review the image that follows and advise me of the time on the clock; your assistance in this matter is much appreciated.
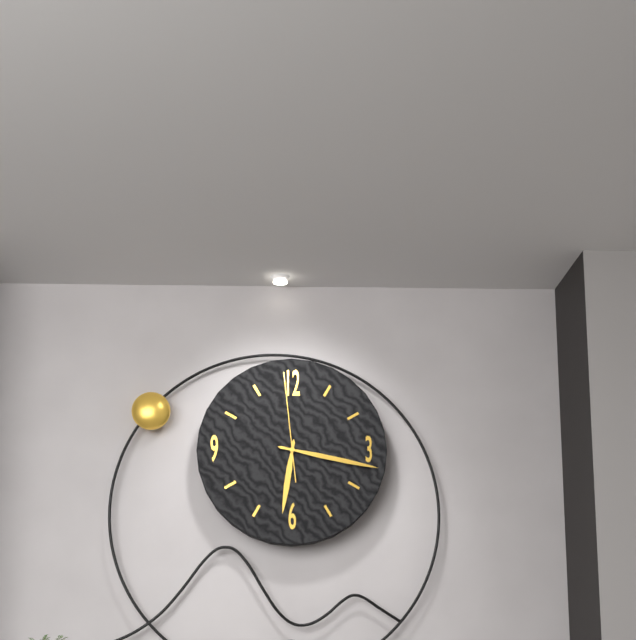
6:17:59
